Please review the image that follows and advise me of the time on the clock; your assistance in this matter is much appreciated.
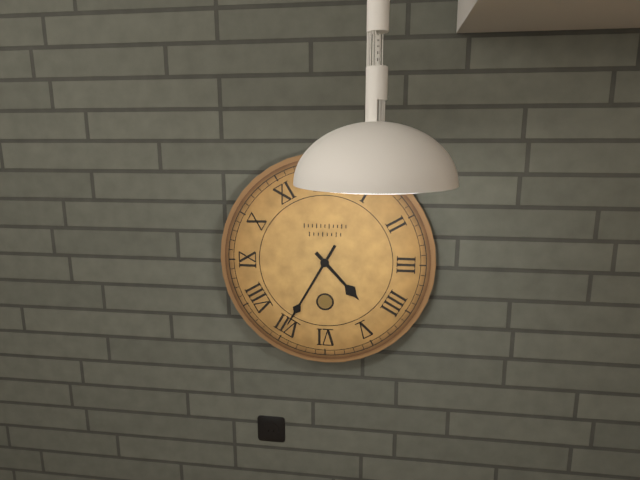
4:35
